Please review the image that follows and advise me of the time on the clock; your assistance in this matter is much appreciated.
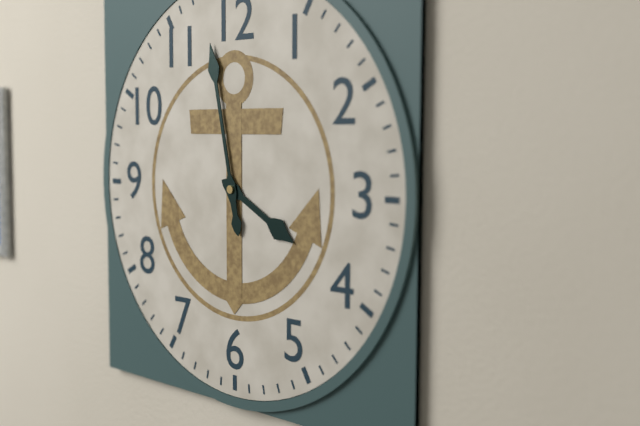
3:58
